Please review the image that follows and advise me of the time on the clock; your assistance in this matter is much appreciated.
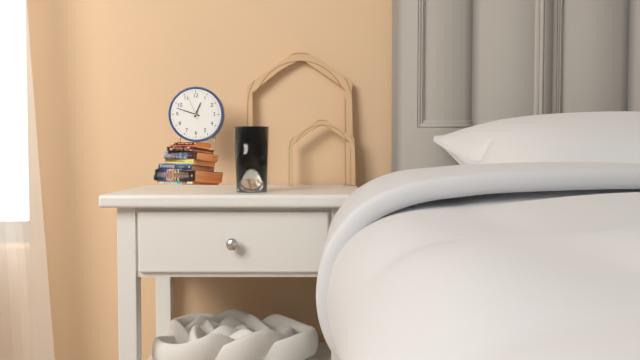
12:48
